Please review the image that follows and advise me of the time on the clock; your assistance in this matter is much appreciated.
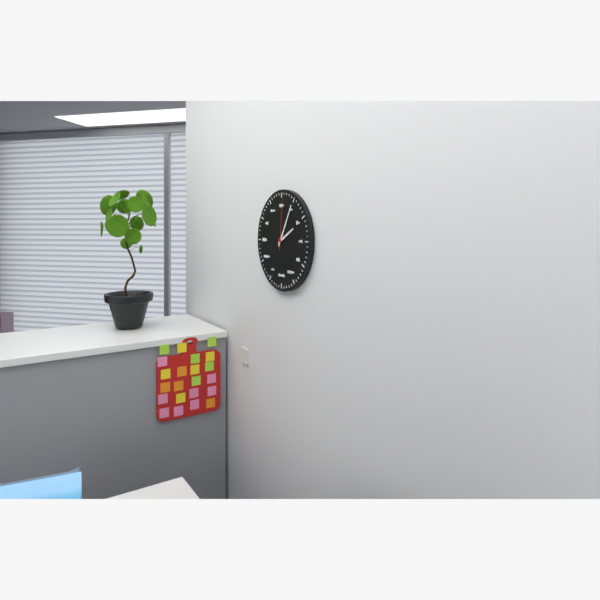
2:05:01
